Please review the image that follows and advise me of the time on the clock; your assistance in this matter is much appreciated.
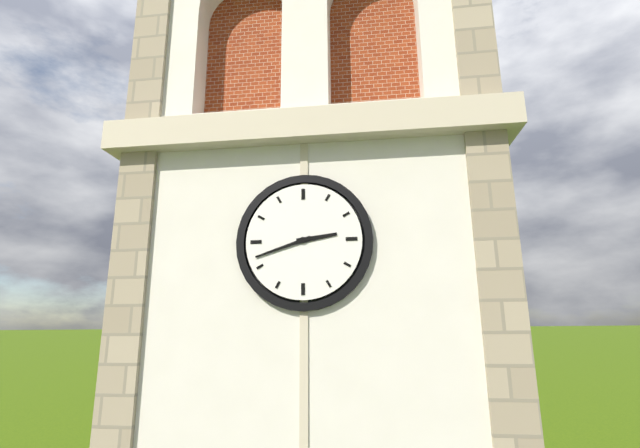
2:42
